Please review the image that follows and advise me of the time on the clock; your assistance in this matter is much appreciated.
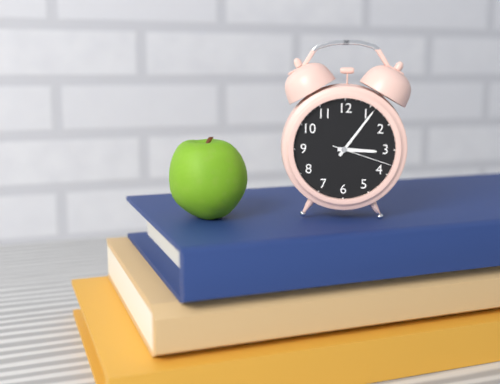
3:06:18
